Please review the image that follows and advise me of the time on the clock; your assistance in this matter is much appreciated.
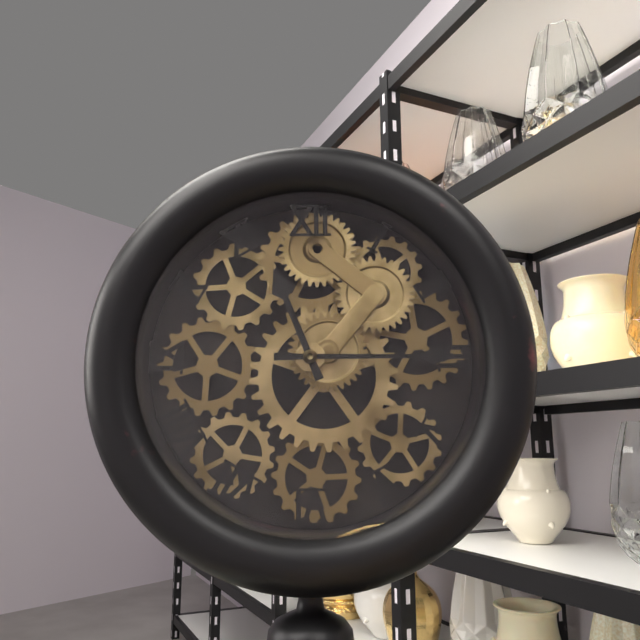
11:15
